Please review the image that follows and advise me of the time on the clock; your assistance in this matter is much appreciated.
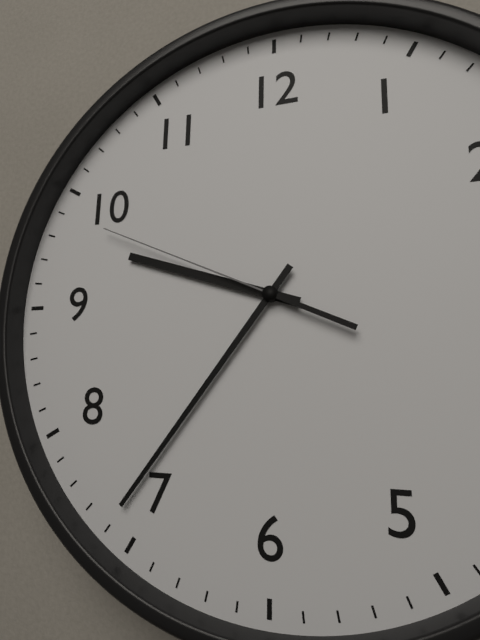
9:36:49
